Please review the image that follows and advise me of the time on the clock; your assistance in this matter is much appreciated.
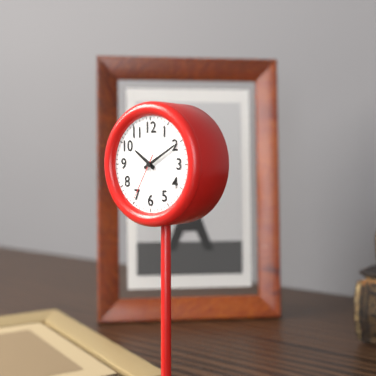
10:10:35
